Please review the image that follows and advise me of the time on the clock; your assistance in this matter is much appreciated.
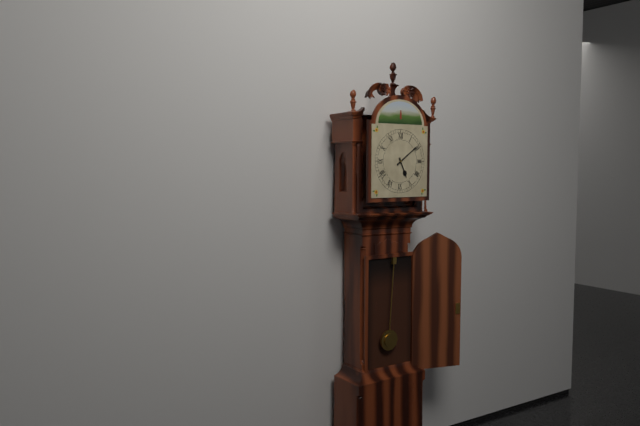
5:09
